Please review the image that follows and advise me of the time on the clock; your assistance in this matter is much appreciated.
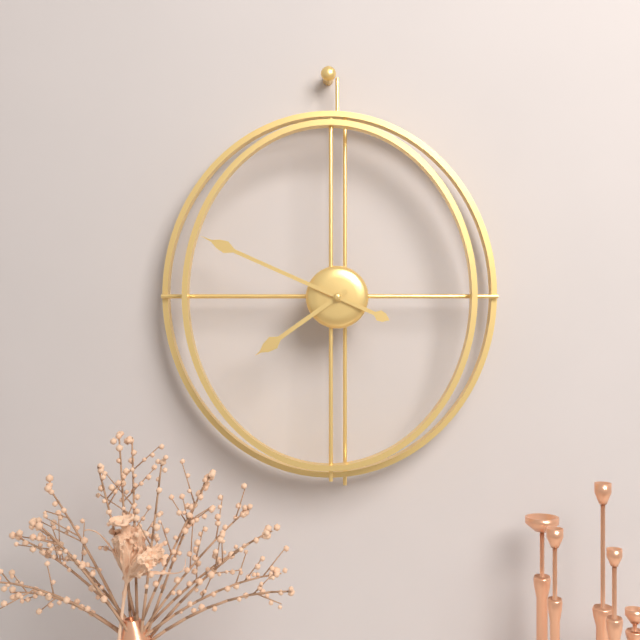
7:49
